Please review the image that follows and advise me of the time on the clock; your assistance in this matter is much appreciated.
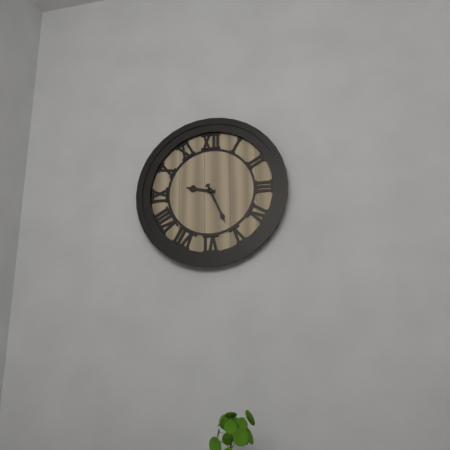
9:26
